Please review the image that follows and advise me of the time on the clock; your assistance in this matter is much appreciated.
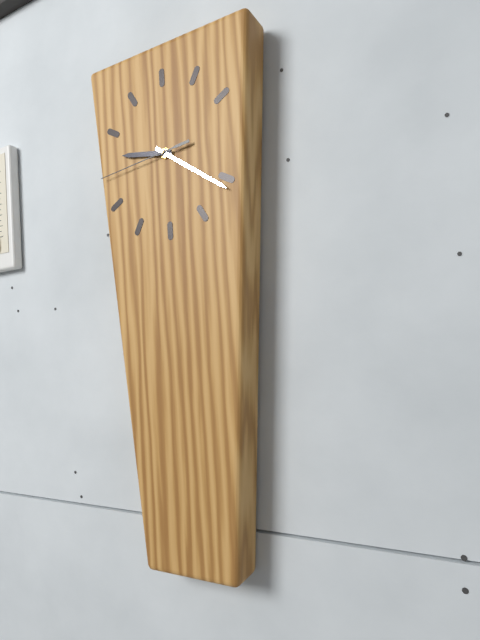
9:21:44
